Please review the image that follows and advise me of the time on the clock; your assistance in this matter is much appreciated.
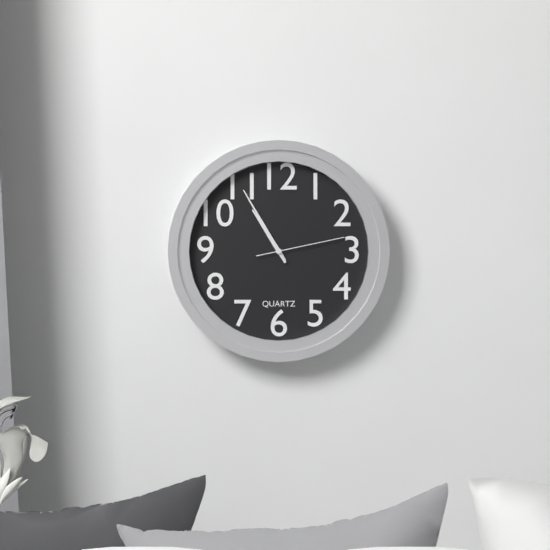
10:55:13
